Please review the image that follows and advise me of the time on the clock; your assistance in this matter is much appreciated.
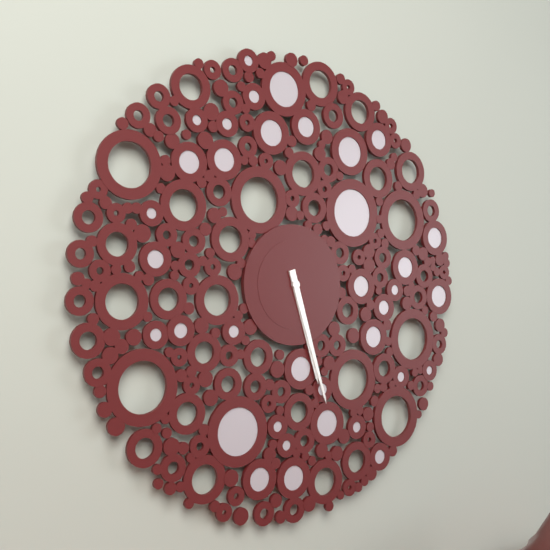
5:27
